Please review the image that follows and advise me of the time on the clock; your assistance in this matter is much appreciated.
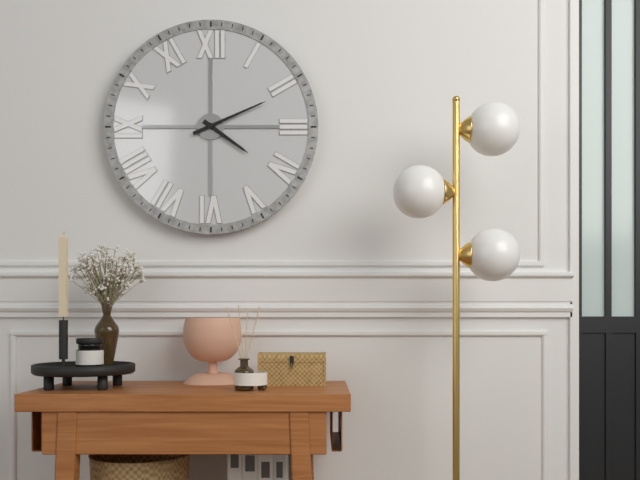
4:11
